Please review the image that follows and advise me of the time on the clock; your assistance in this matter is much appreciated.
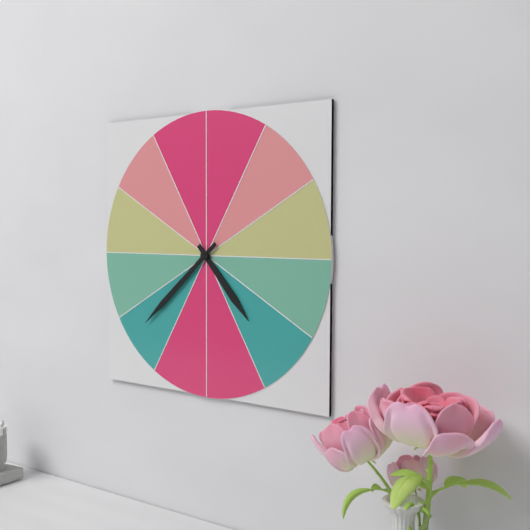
4:38
